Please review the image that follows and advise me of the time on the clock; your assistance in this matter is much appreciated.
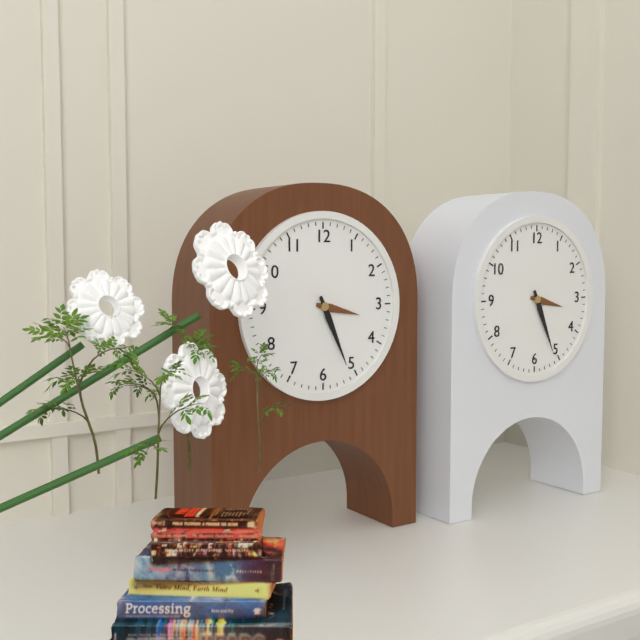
3:26
